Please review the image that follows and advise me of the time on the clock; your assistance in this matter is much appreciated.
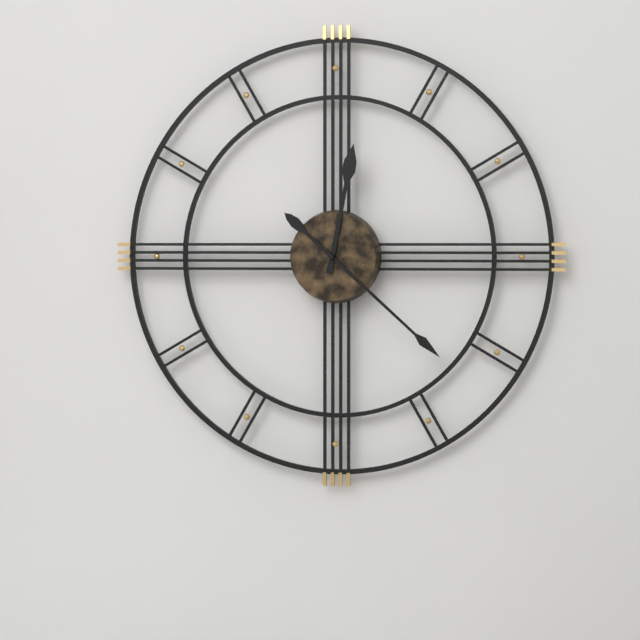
12:22
